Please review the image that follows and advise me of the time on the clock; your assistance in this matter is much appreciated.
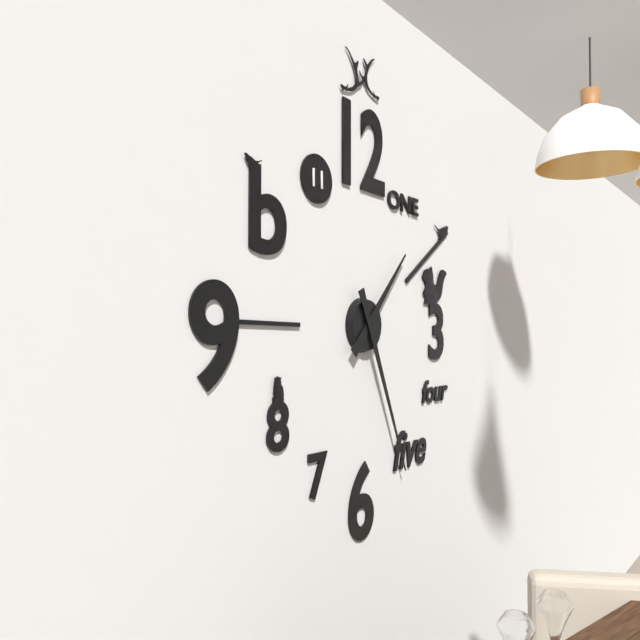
1:26
